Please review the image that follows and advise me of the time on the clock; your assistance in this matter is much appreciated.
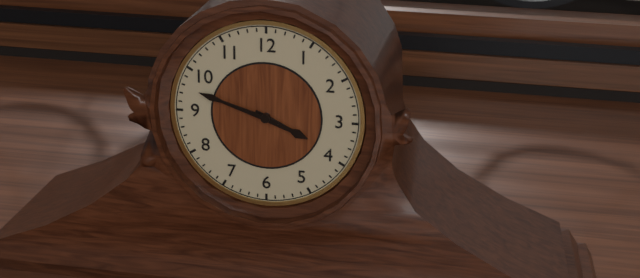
3:48
